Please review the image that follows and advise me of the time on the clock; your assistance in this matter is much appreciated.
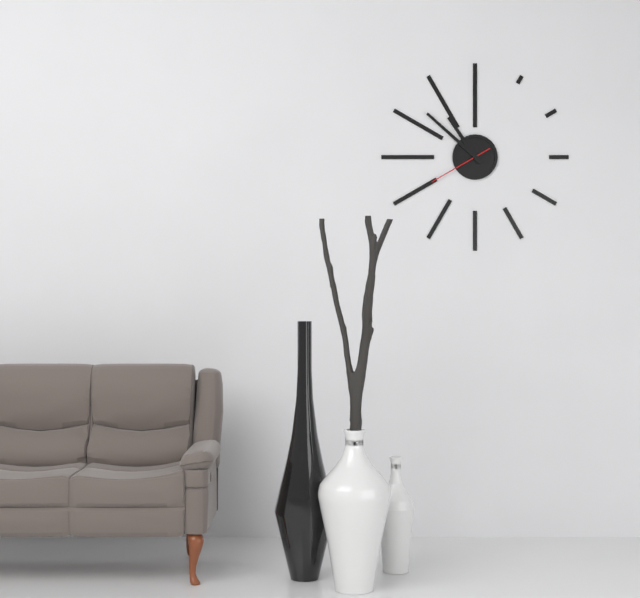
10:52:40
